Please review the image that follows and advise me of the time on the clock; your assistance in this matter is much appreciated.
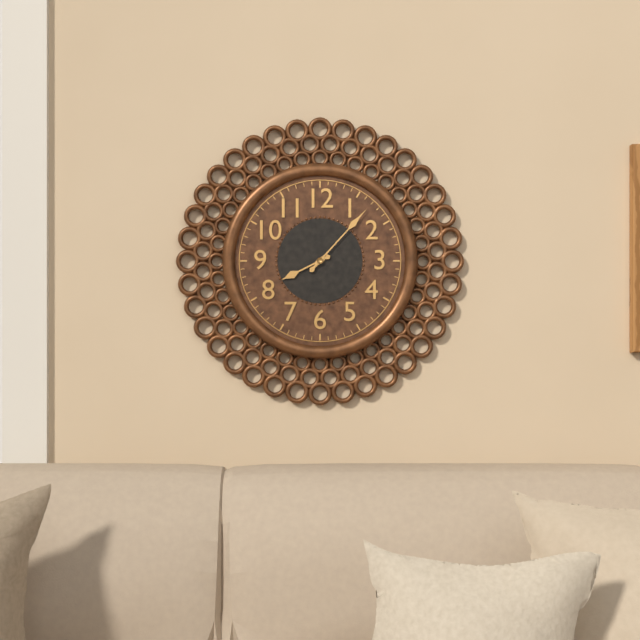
8:07
